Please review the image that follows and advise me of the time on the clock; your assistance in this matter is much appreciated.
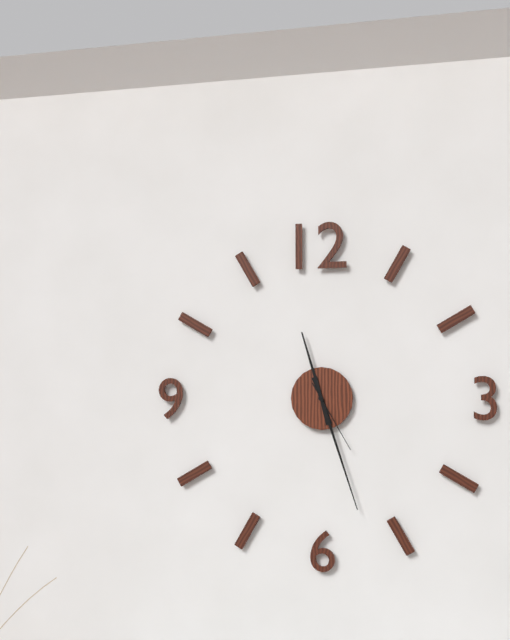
11:27:25
